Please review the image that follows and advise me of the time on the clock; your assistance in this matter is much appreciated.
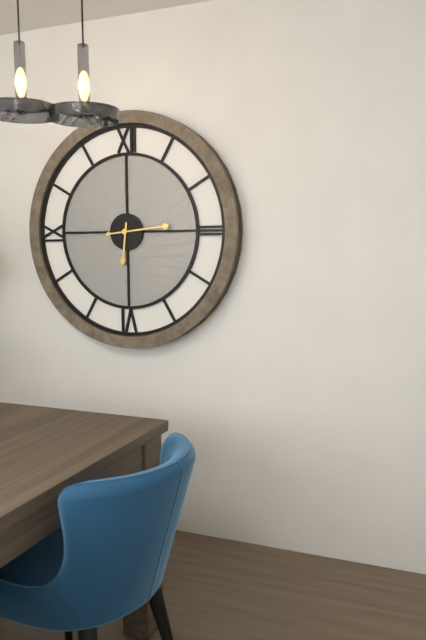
6:14
